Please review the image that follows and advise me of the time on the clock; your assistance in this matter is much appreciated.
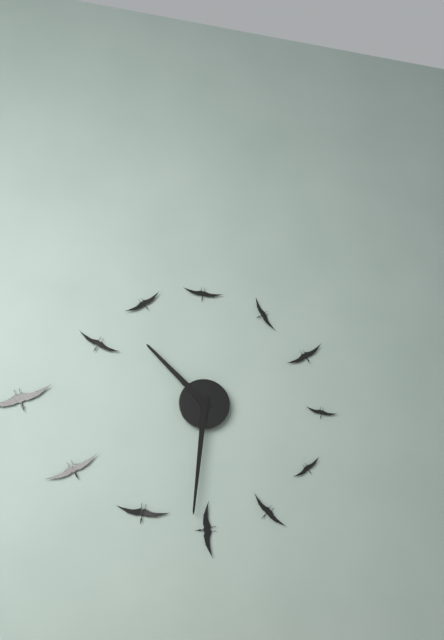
10:31
